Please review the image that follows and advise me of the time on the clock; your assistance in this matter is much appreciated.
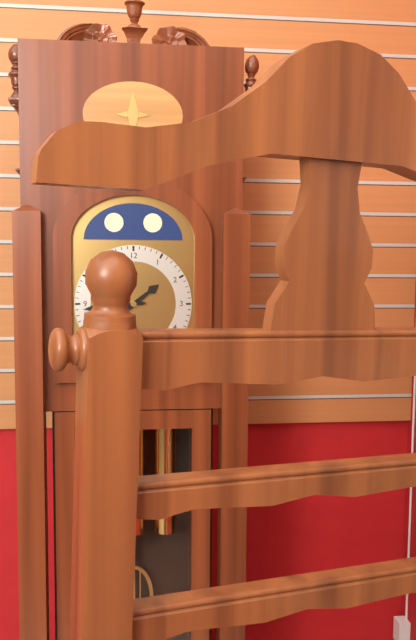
1:44
